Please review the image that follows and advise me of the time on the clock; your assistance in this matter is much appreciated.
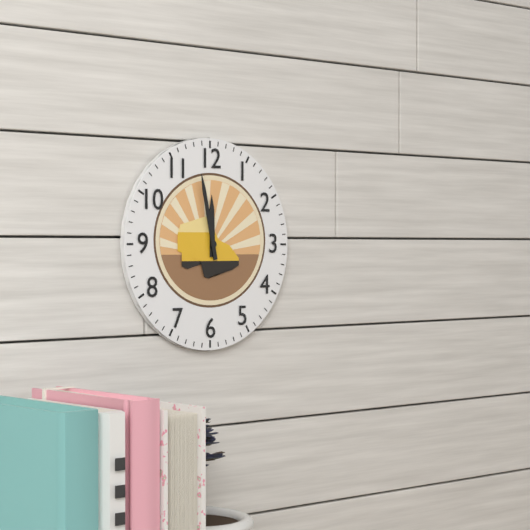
11:58
